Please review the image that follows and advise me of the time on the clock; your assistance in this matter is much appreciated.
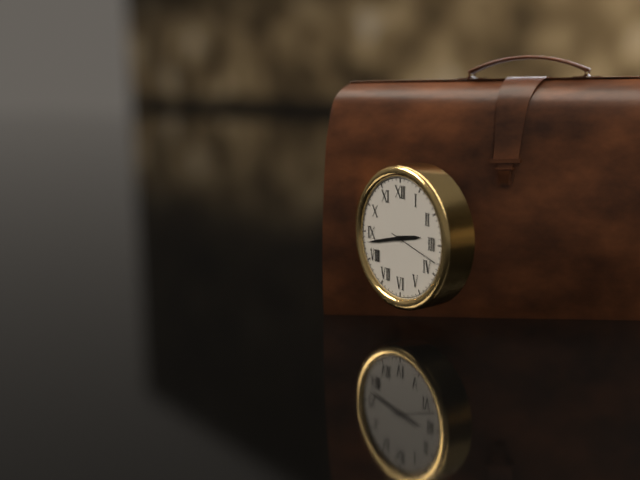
2:43:18
